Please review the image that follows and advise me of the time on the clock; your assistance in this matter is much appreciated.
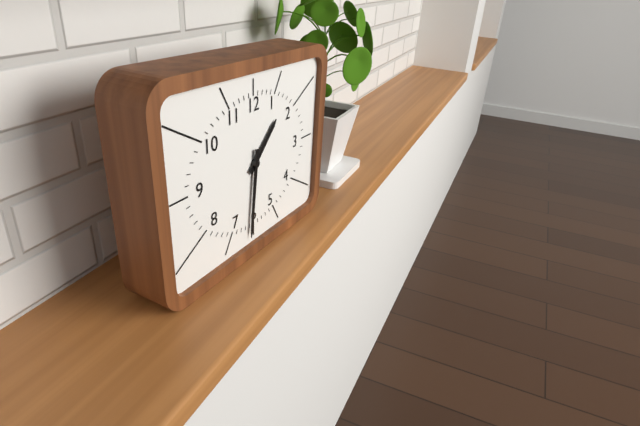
1:31
